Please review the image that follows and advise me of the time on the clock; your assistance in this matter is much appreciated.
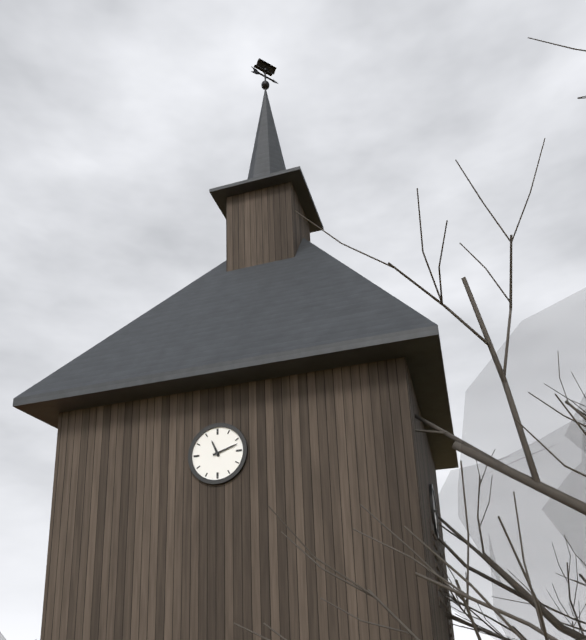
11:12
